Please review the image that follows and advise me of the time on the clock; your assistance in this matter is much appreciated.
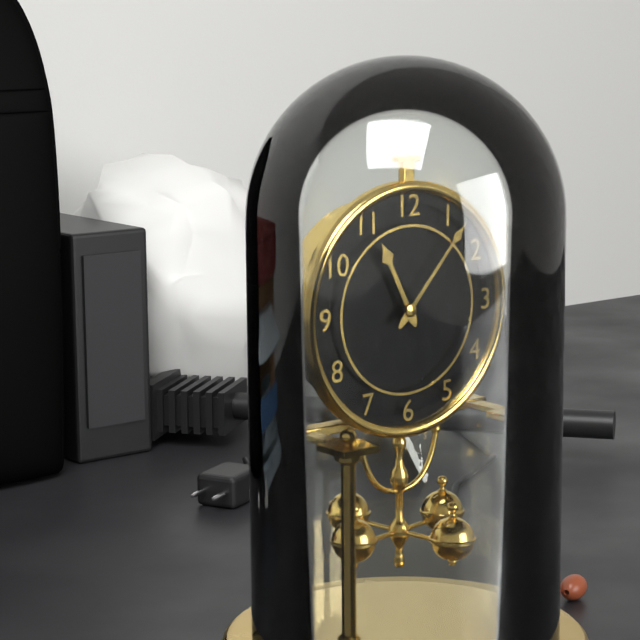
11:07
